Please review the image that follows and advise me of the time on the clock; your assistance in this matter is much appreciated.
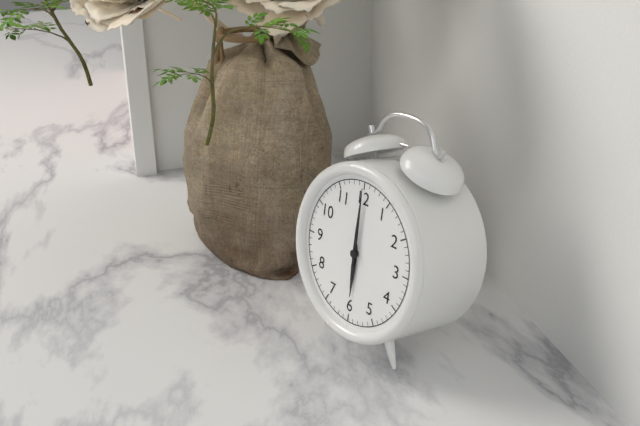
6:00
